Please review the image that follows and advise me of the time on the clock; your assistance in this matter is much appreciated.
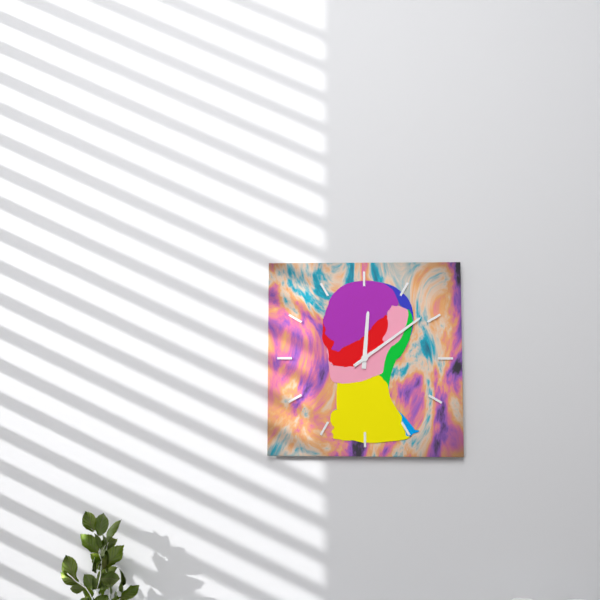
12:09
